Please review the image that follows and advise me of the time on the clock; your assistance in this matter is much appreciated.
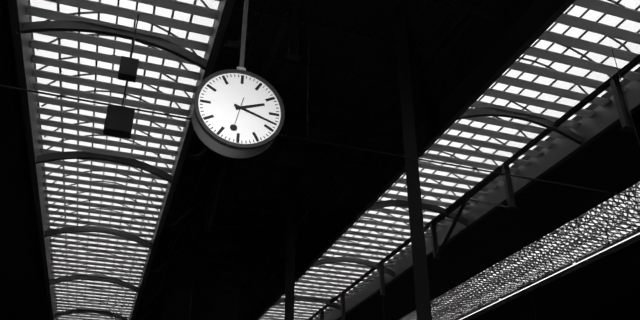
2:18
